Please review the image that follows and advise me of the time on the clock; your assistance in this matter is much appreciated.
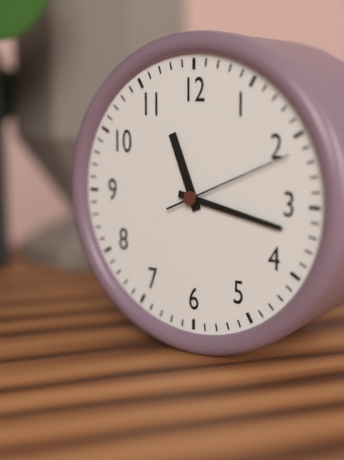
11:17:11
